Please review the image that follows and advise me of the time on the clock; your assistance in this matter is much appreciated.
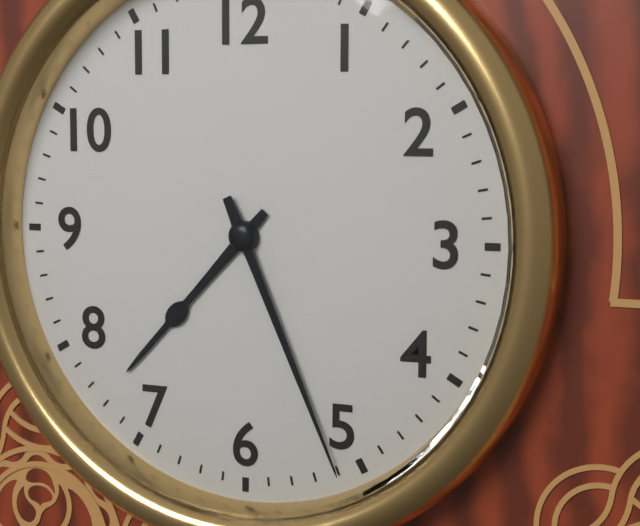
7:26
